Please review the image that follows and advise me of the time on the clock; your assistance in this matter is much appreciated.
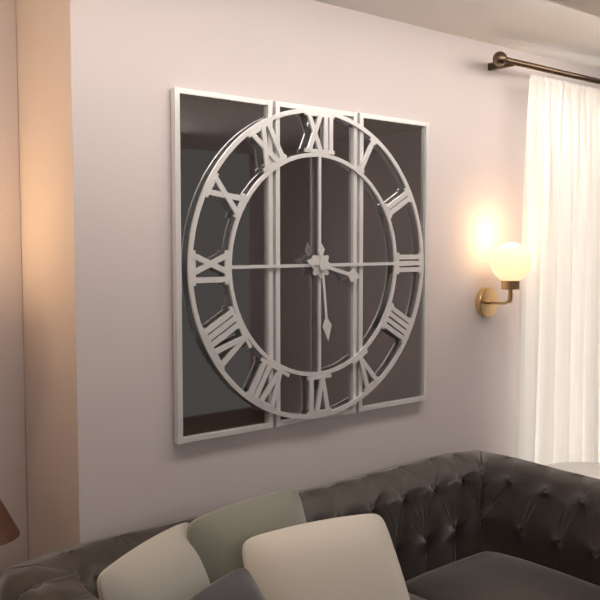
3:29
